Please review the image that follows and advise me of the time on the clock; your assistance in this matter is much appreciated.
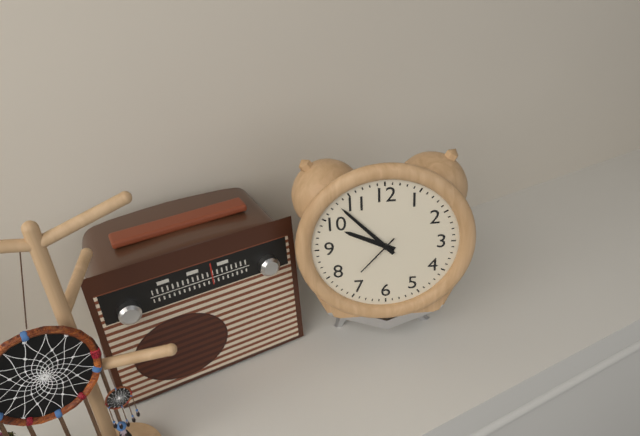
9:53
